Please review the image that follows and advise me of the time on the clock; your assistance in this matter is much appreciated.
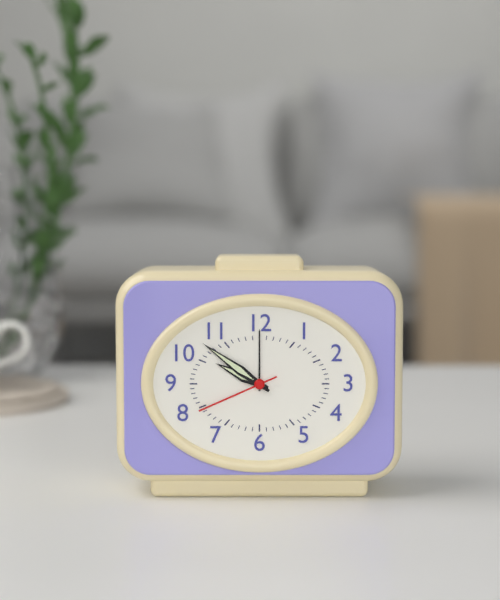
9:51:41
